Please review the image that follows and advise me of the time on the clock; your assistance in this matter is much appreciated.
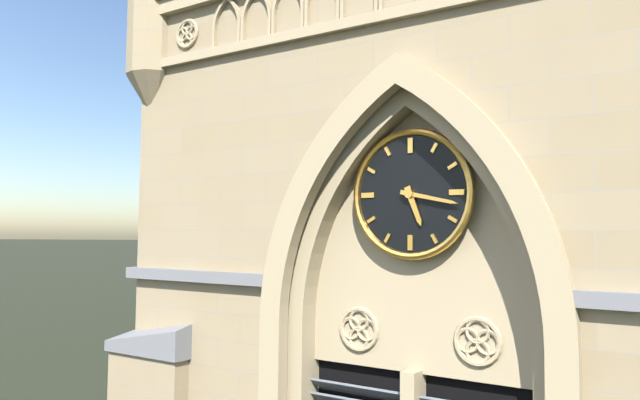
5:17
